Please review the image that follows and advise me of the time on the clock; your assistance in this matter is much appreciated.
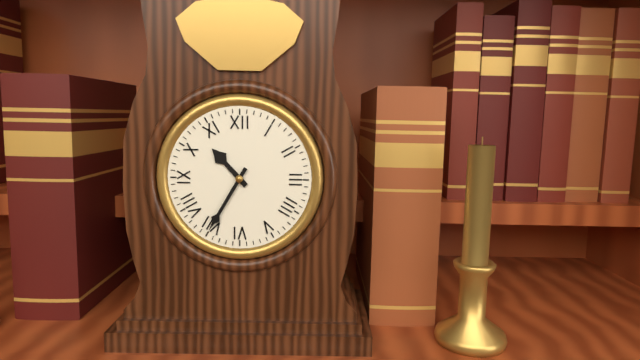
10:35
